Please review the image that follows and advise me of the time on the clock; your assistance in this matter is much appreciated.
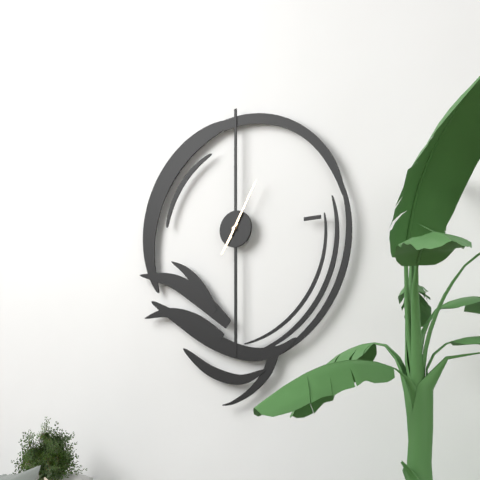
7:05
